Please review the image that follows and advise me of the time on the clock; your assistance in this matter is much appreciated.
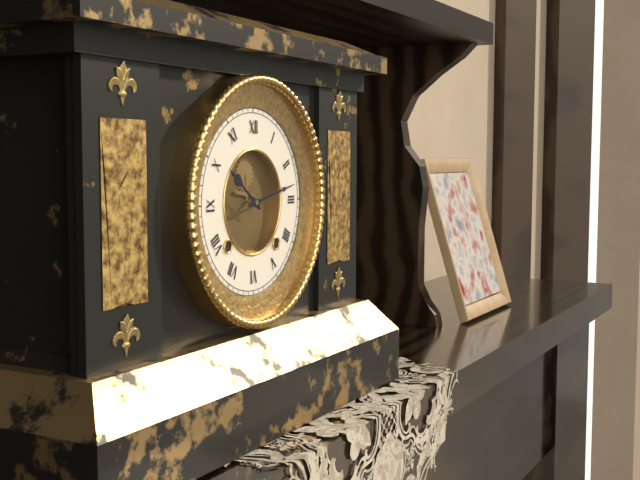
10:13
